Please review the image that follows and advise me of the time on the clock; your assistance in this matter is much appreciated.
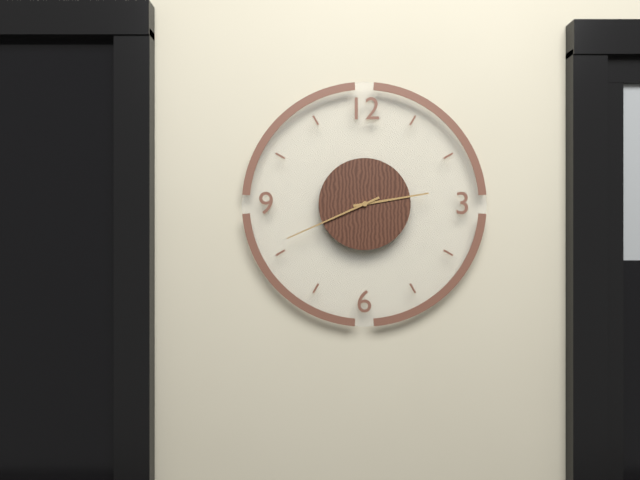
2:41
